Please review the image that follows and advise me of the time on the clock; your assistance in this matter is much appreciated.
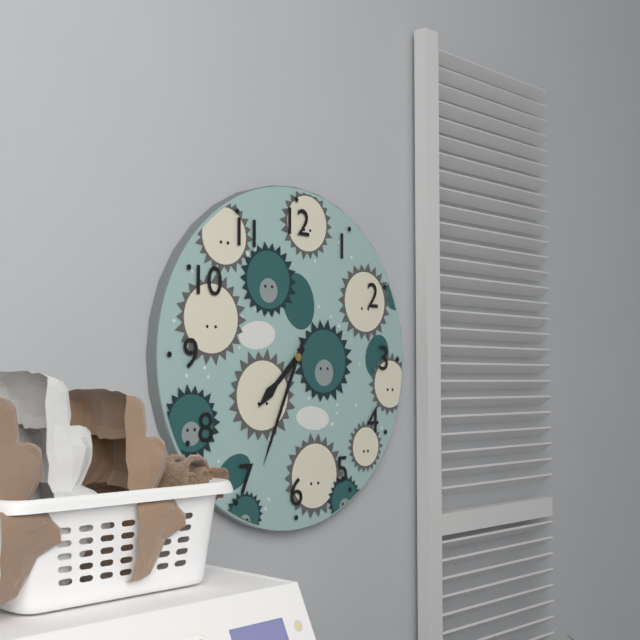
7:34
